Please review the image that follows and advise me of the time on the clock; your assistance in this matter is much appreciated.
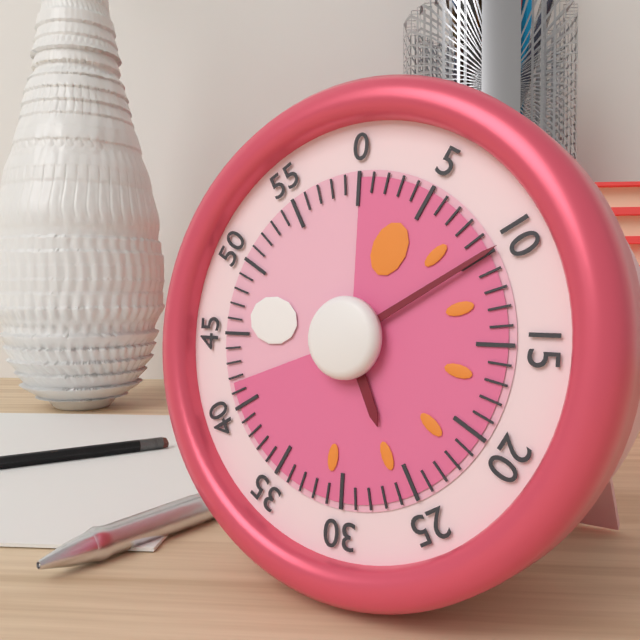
5:10
